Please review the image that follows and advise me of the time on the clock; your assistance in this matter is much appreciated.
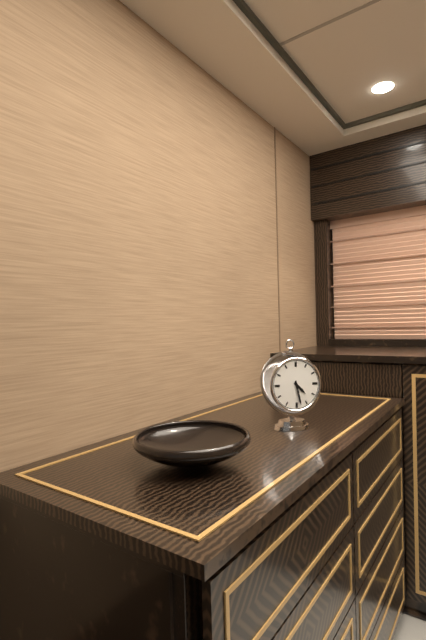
4:28
